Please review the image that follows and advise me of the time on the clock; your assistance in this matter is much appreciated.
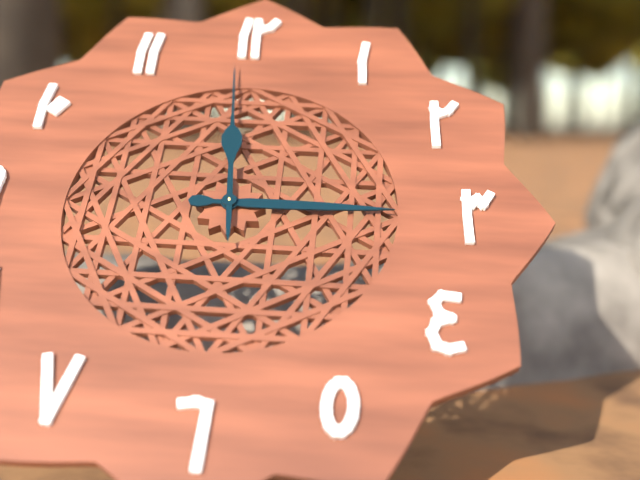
2:59
